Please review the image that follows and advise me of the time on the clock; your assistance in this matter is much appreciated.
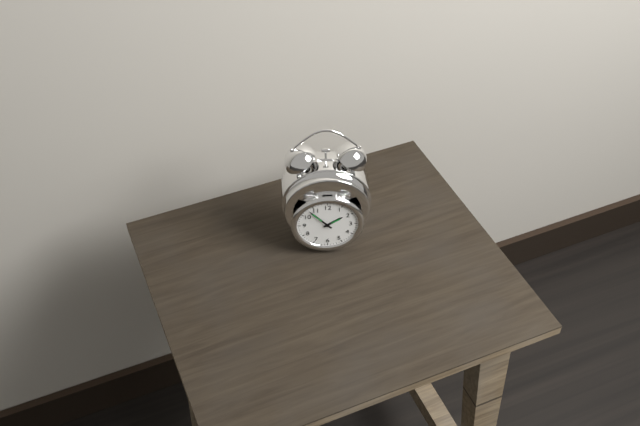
1:53
